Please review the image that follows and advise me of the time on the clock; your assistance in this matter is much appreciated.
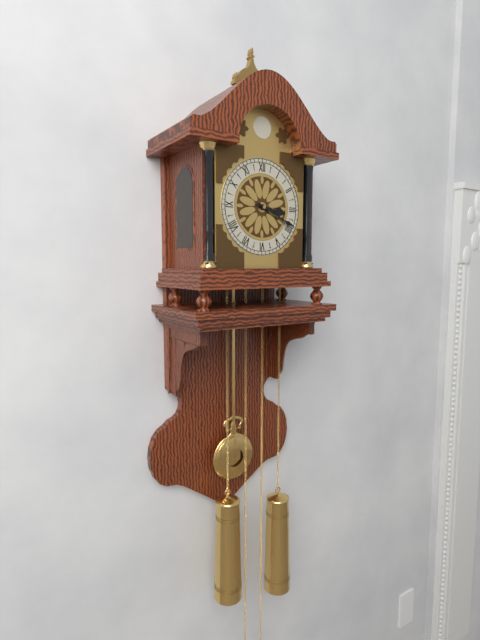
3:19
